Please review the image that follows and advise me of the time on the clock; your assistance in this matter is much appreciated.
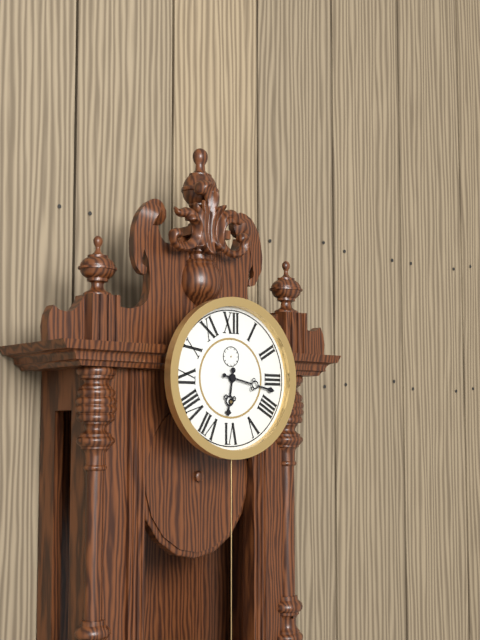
6:17
